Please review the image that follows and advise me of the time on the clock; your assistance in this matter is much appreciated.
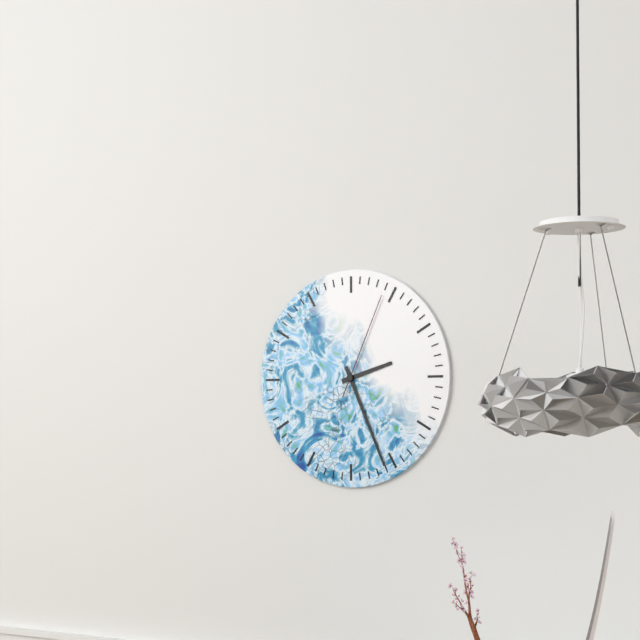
2:26:04
